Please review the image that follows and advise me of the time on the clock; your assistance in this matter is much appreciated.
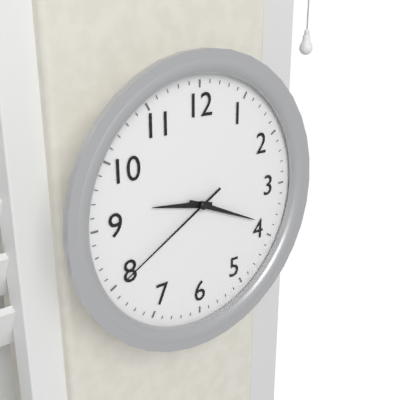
9:19:40
